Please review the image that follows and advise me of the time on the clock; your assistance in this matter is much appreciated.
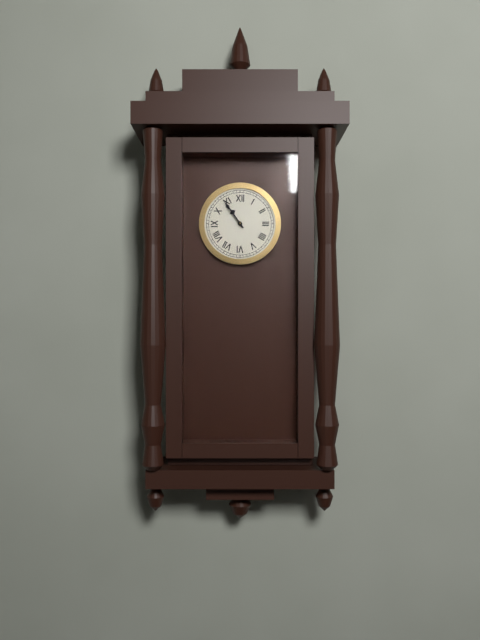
10:54
